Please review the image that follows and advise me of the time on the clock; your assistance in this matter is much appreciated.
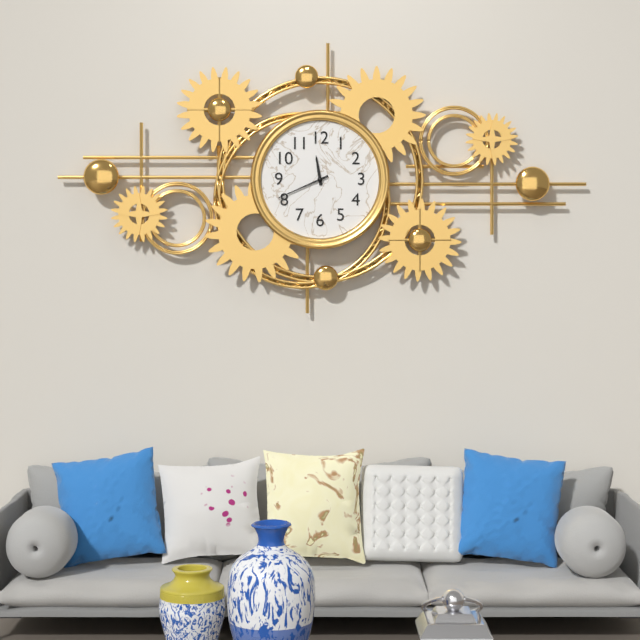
11:41
